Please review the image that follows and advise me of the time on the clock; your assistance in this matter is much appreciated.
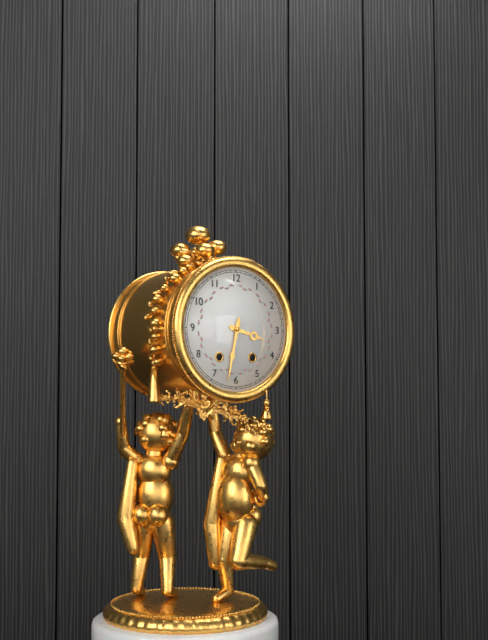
3:32
